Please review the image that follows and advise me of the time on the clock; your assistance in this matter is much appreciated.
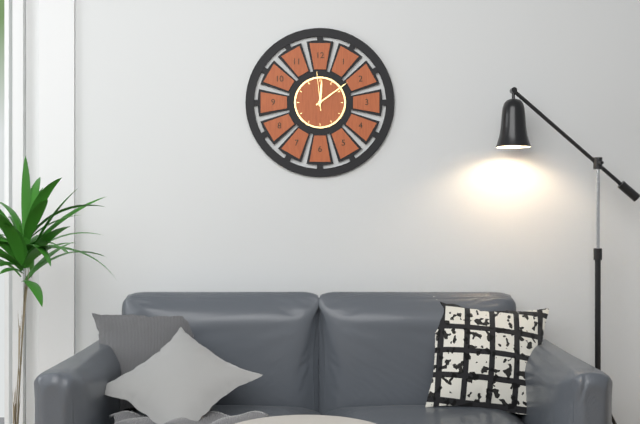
12:09
